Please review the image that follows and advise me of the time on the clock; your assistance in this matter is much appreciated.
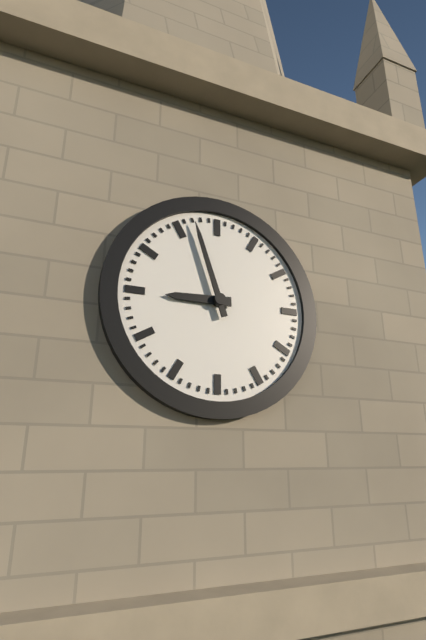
8:57
